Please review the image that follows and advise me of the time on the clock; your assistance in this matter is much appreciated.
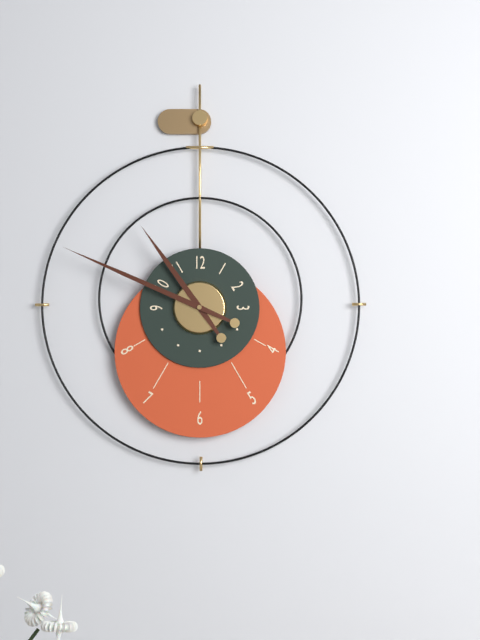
10:49
